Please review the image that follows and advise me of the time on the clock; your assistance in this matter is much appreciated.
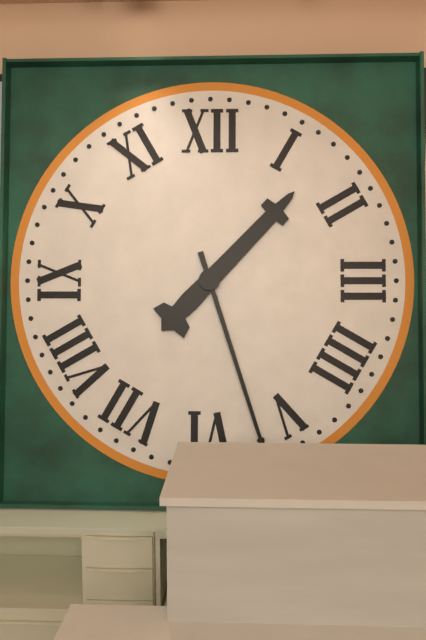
1:27
